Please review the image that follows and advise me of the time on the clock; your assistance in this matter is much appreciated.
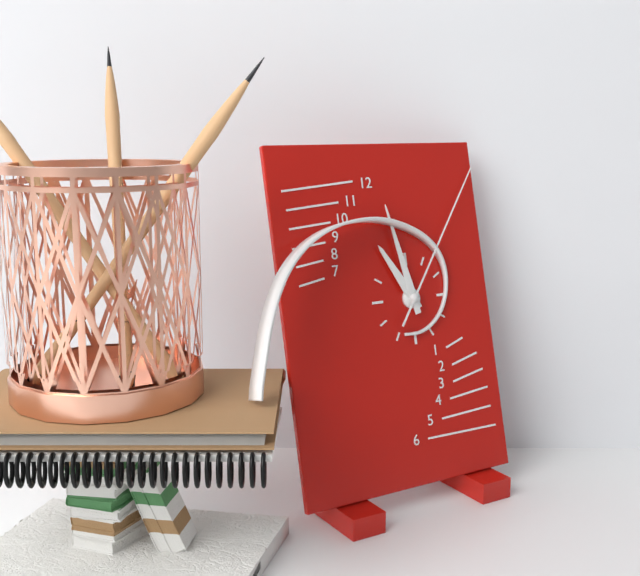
10:58:06
